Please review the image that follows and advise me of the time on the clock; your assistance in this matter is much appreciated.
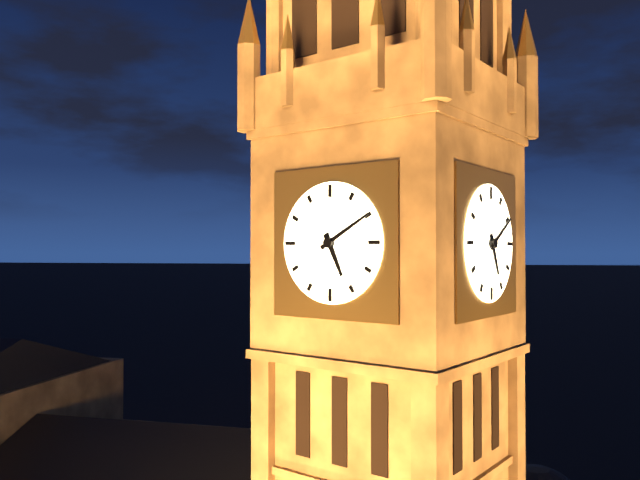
5:10
